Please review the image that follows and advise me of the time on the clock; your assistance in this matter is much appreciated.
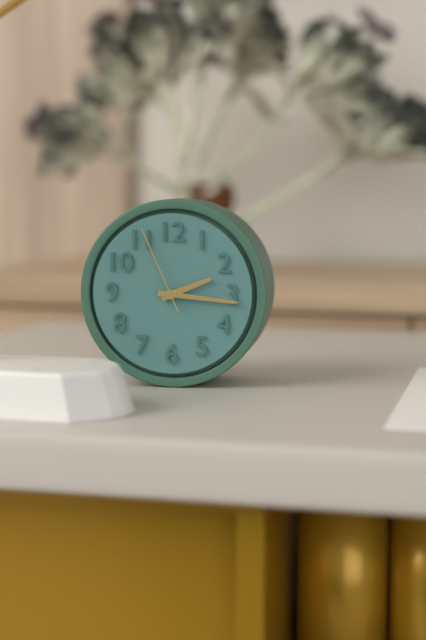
2:16:56
